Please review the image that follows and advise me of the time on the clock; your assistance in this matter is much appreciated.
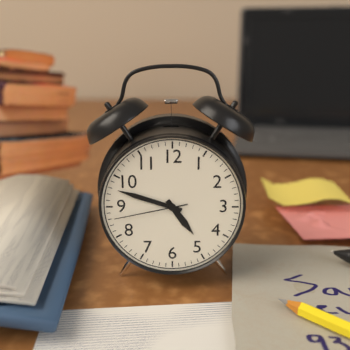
4:48:43
